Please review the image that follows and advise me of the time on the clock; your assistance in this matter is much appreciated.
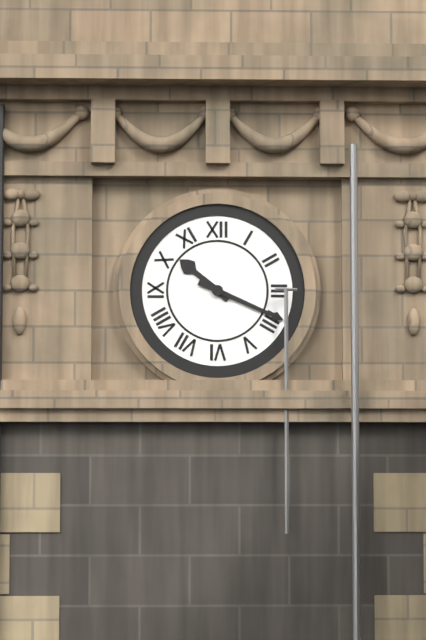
10:19
